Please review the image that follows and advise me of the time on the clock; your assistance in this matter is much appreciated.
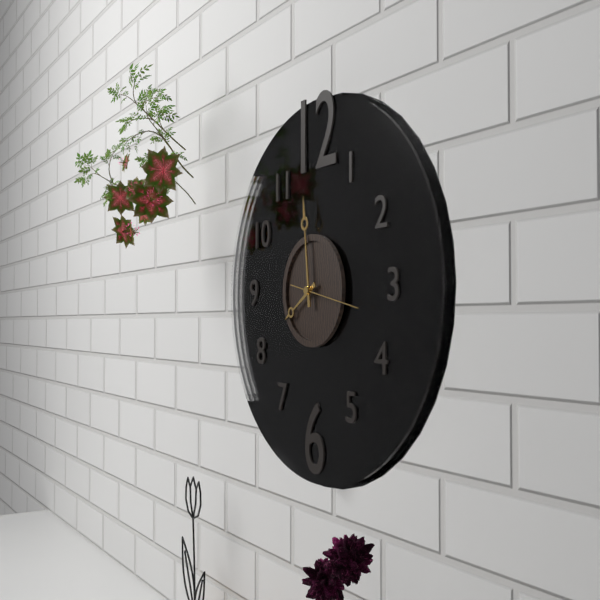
7:59:17
